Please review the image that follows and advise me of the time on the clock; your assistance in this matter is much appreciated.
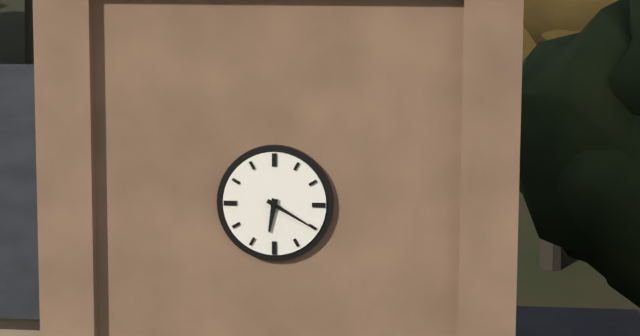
6:20
